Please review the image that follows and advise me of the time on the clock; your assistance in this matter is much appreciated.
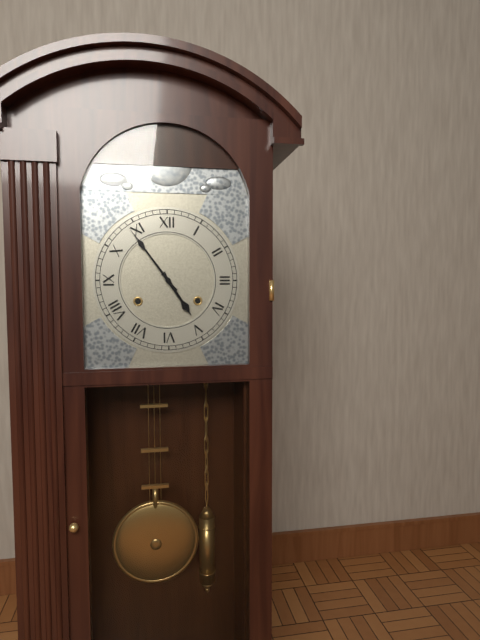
4:54
